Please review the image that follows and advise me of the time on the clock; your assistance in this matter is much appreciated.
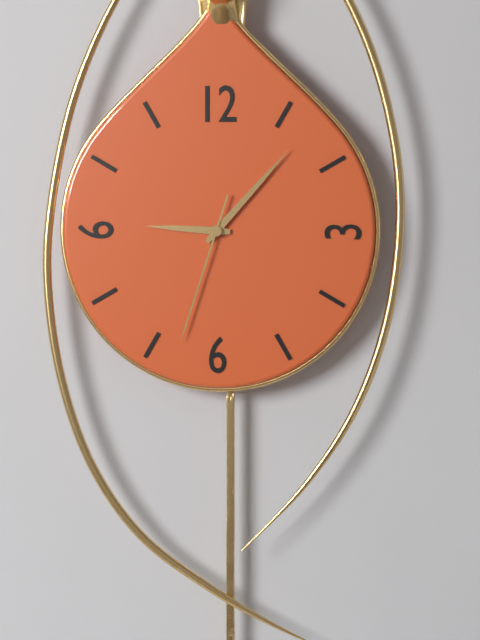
9:07:33
